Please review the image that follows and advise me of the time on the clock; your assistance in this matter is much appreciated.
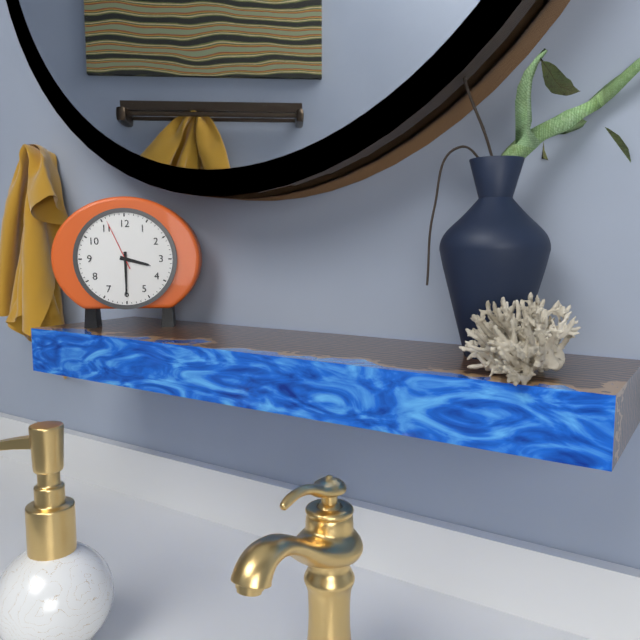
3:30:56
